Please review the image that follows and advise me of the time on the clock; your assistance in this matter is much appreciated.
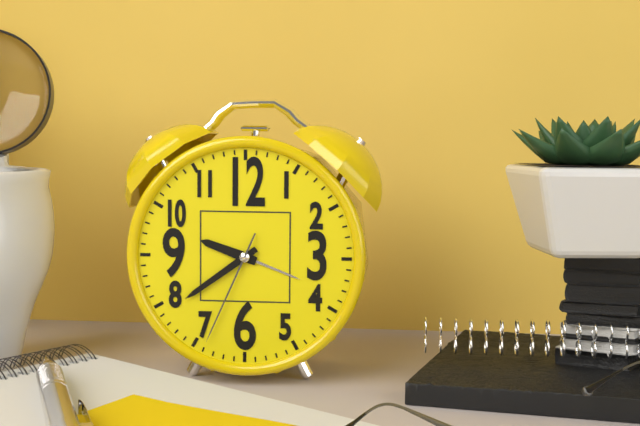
9:39:34
